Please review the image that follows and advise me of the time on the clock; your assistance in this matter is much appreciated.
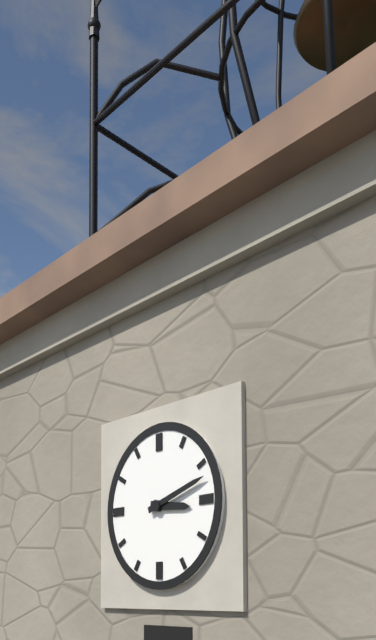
3:12
